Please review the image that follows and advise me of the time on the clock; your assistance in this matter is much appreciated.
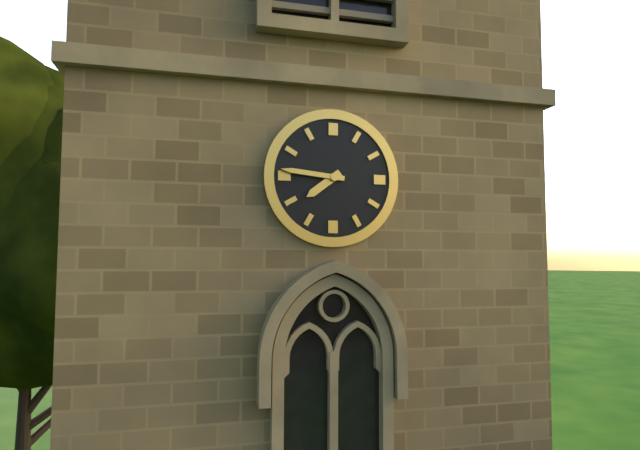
7:46
